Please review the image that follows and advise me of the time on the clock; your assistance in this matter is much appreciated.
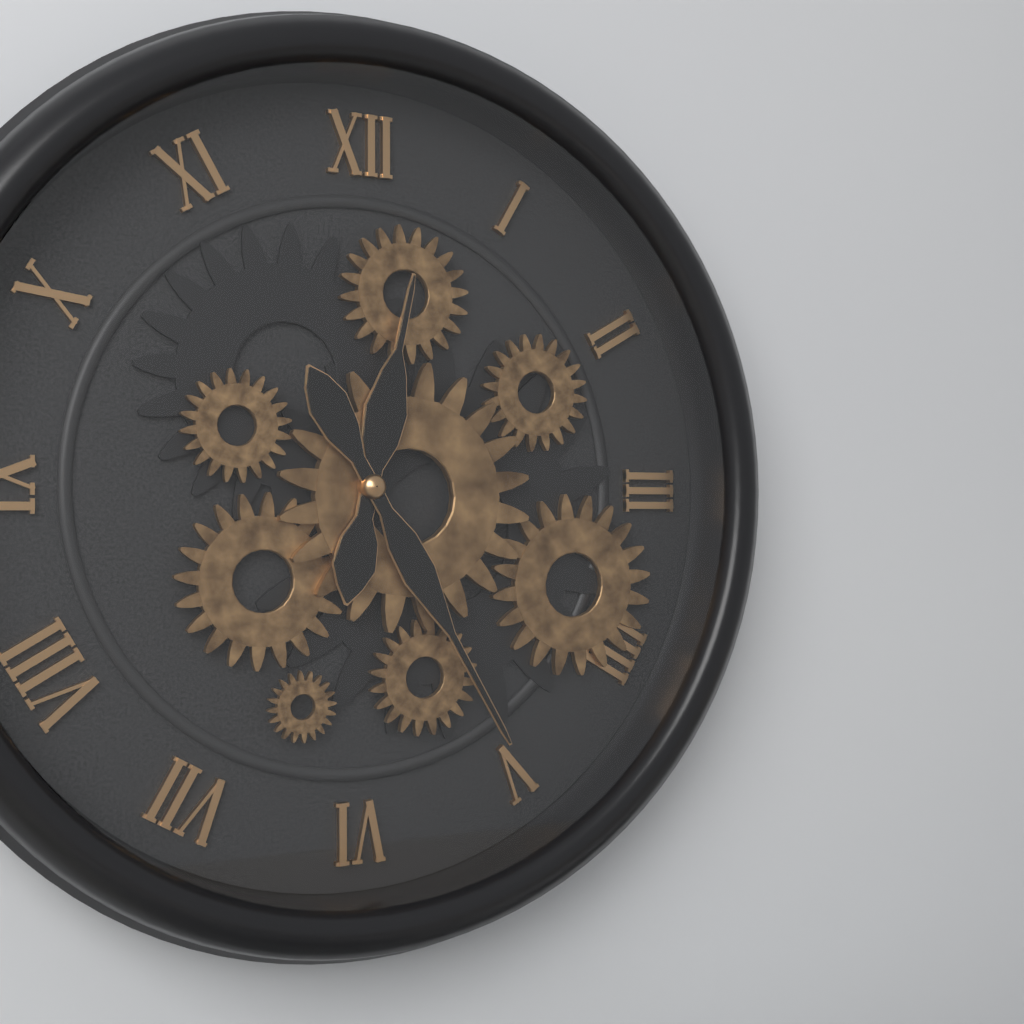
12:25
